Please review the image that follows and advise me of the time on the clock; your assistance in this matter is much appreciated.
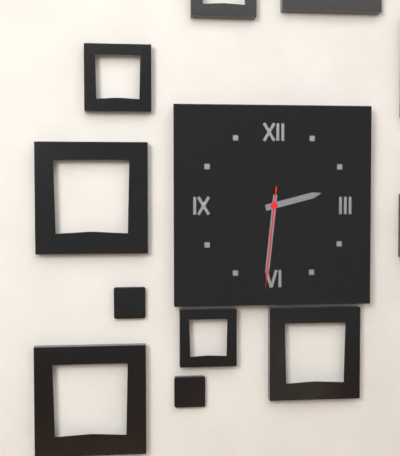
2:31:31
